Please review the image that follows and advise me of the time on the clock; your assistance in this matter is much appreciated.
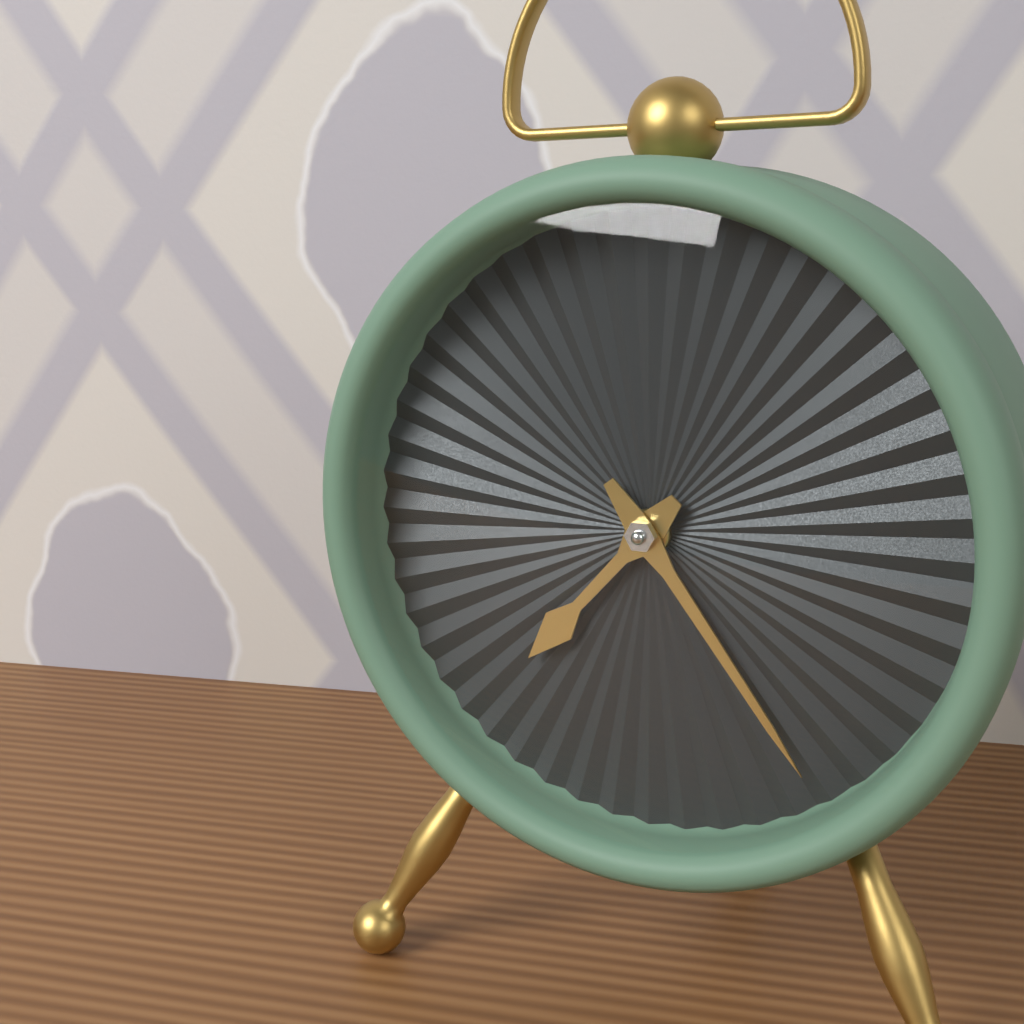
7:24
